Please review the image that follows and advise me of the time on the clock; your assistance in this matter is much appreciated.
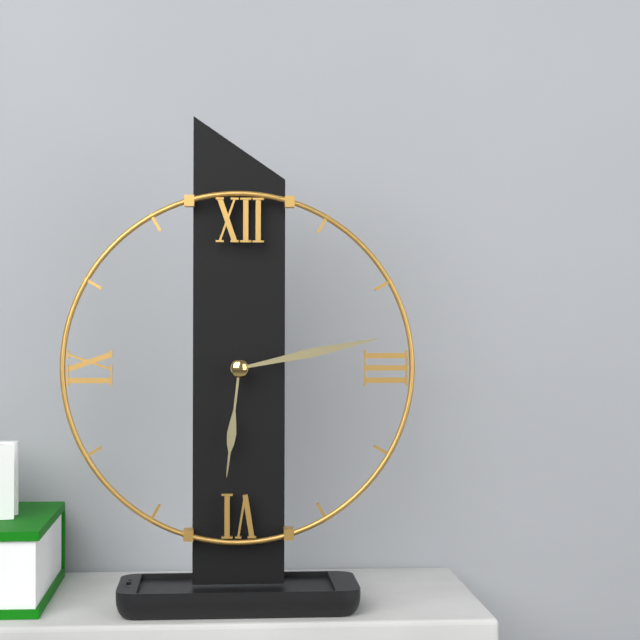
6:13
